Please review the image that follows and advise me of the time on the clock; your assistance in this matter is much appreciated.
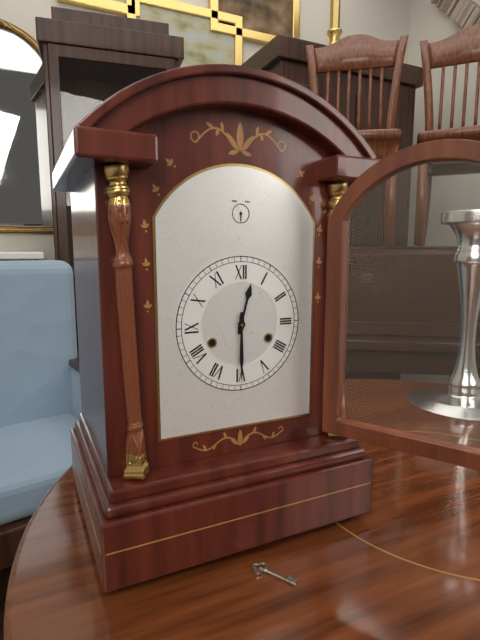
12:30
